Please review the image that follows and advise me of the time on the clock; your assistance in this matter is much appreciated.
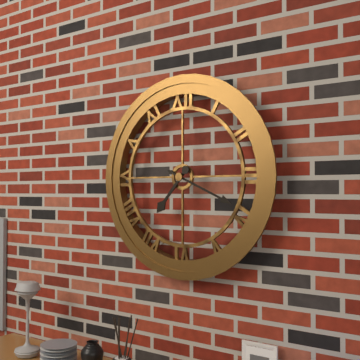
7:19
